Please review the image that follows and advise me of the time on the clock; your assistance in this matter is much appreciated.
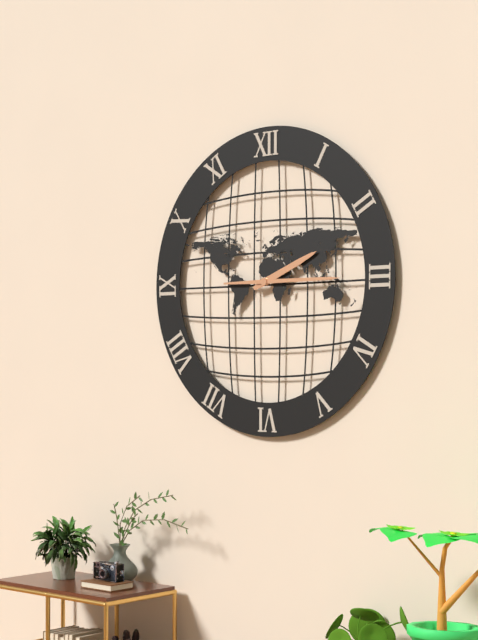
2:15
